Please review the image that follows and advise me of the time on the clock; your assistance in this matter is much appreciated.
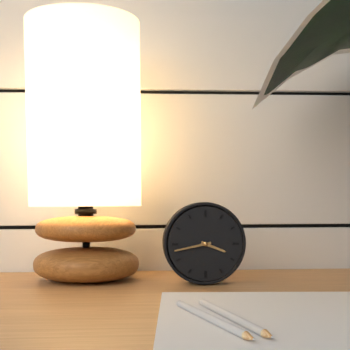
3:43
